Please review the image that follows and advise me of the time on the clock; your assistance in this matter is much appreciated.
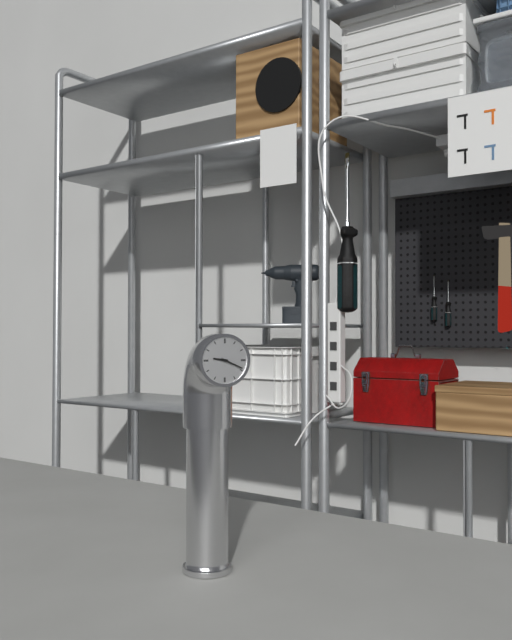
9:19
